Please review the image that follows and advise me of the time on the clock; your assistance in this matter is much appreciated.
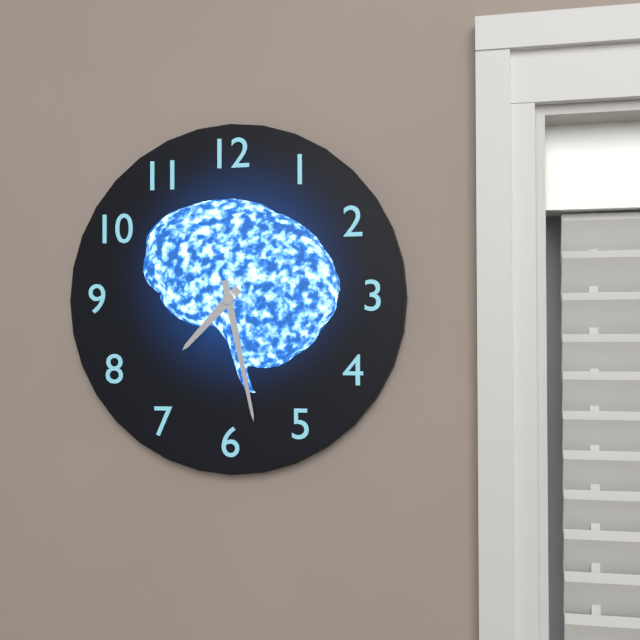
7:28
